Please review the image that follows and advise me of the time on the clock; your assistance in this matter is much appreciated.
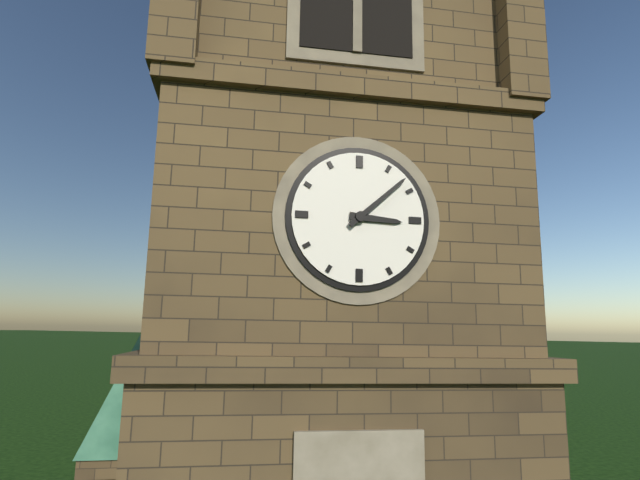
3:08
